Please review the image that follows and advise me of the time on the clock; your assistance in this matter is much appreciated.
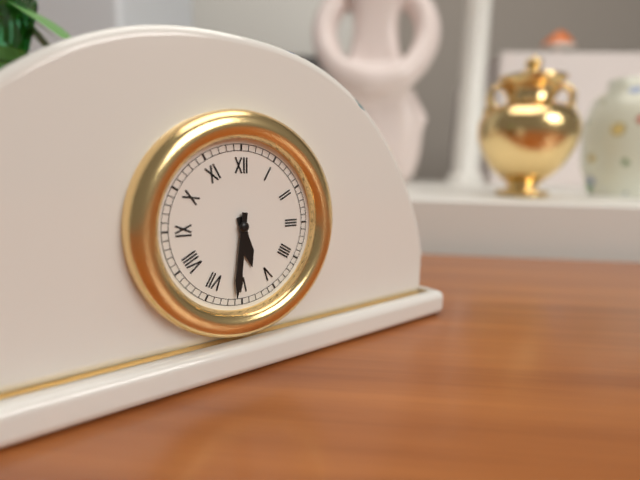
5:31
